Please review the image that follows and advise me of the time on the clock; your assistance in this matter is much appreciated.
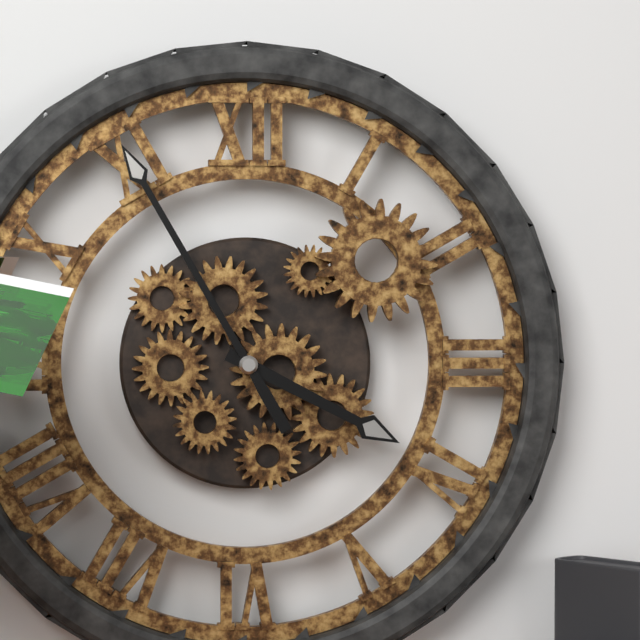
3:55
